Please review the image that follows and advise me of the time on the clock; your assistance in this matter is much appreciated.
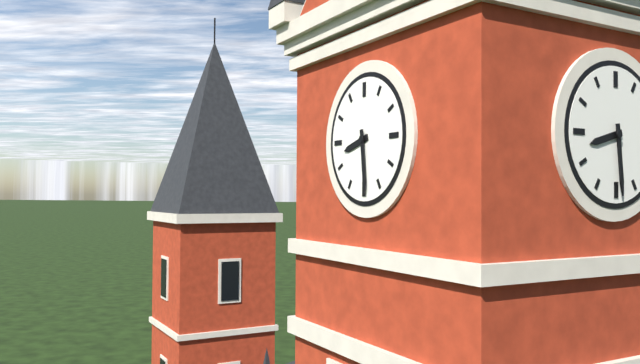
8:29
